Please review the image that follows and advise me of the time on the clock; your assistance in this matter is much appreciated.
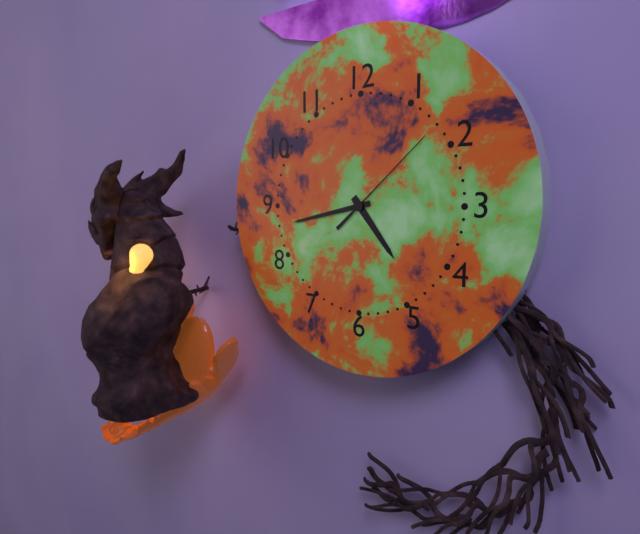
4:43:08
